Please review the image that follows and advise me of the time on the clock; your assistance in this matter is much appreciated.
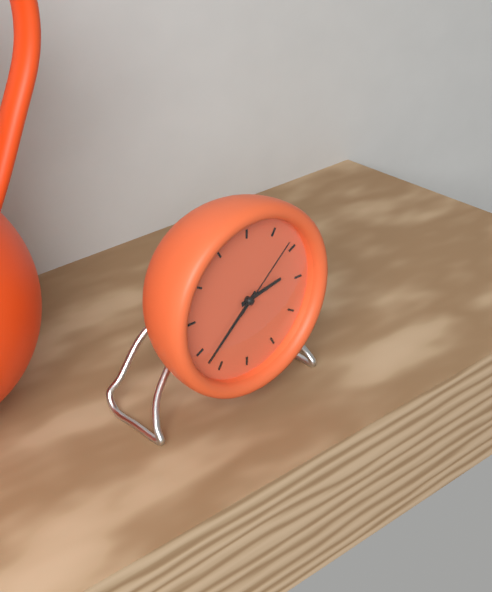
2:38:08
